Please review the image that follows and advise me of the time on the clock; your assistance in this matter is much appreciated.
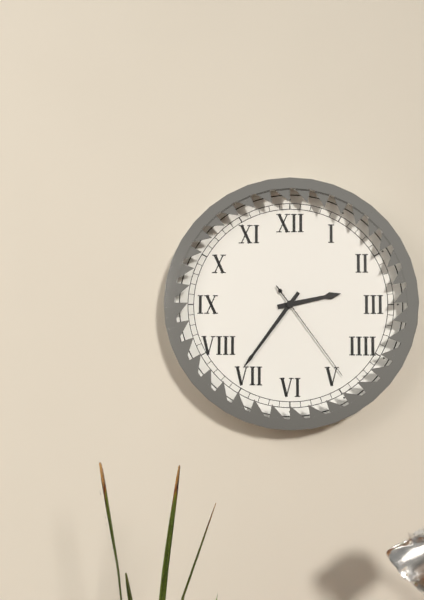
2:36:24
